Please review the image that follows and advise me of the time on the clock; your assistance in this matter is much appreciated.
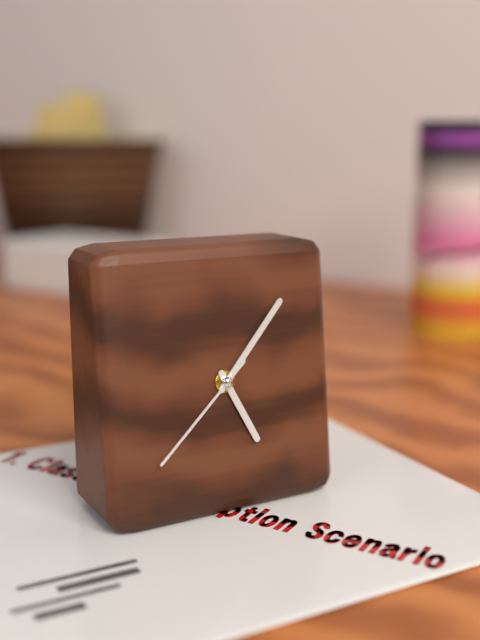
5:07:38
